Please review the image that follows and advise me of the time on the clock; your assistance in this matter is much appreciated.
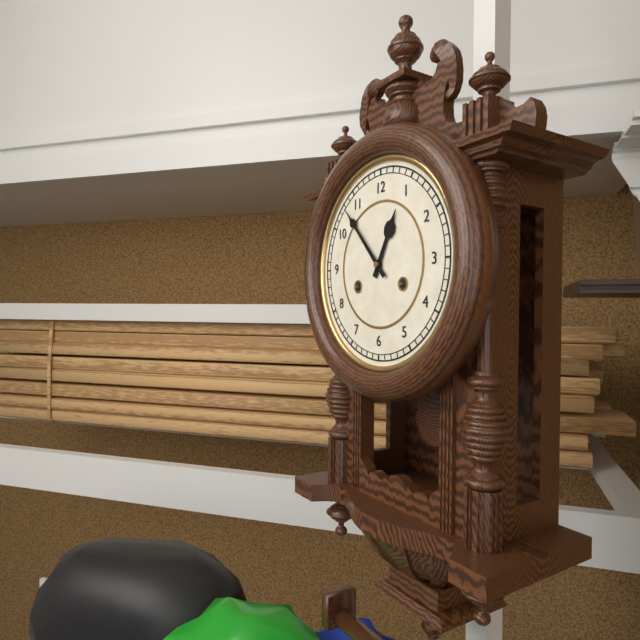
12:53
